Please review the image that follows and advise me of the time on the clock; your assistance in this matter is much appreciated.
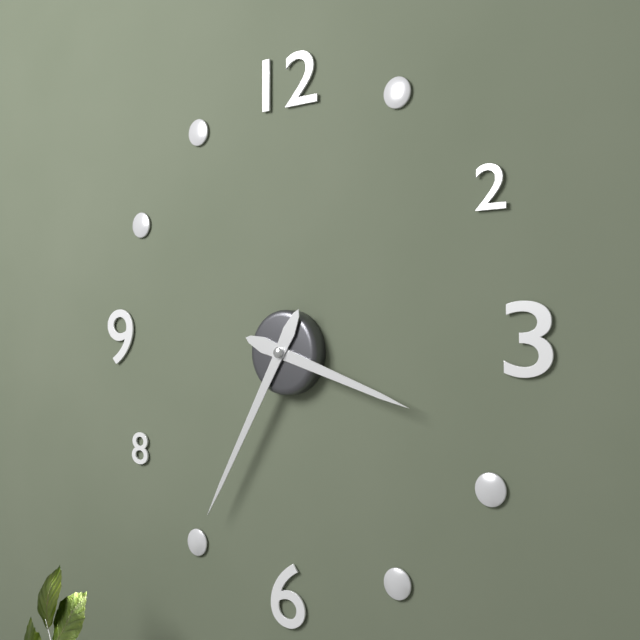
3:35
